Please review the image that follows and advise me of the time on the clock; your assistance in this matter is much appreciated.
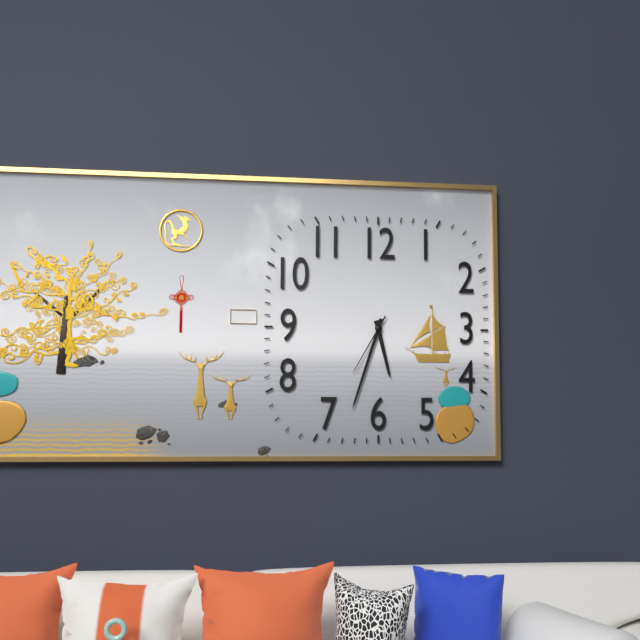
5:33:35
